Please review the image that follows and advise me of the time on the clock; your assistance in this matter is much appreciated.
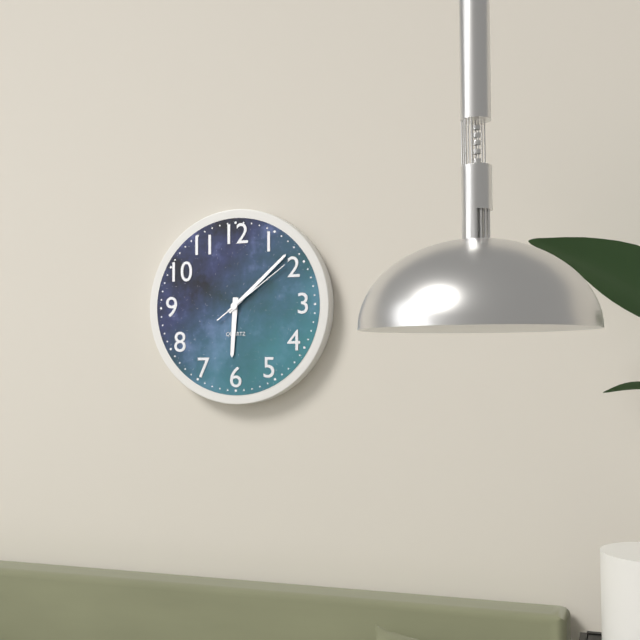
6:08:09
